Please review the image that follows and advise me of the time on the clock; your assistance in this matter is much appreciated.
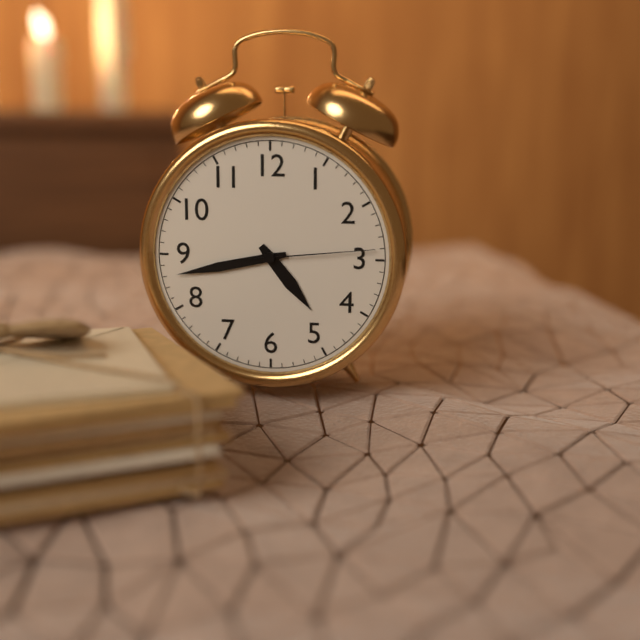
4:43:14
